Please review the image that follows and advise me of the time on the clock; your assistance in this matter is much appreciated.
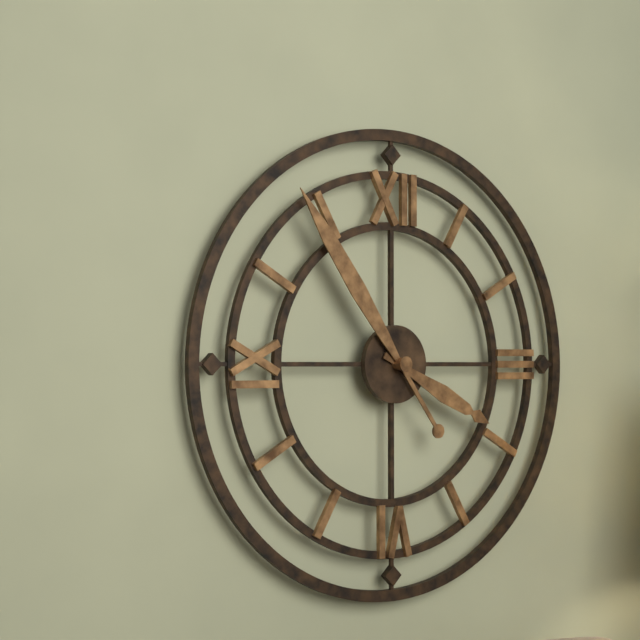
3:54
